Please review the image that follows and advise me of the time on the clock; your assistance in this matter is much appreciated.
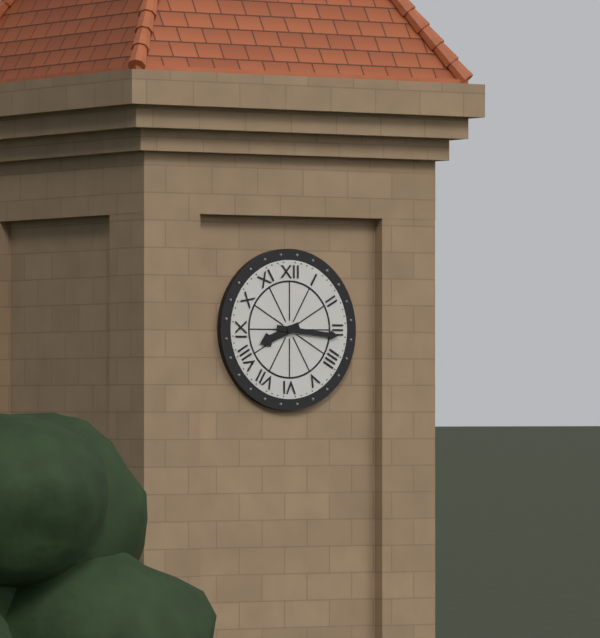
8:16
